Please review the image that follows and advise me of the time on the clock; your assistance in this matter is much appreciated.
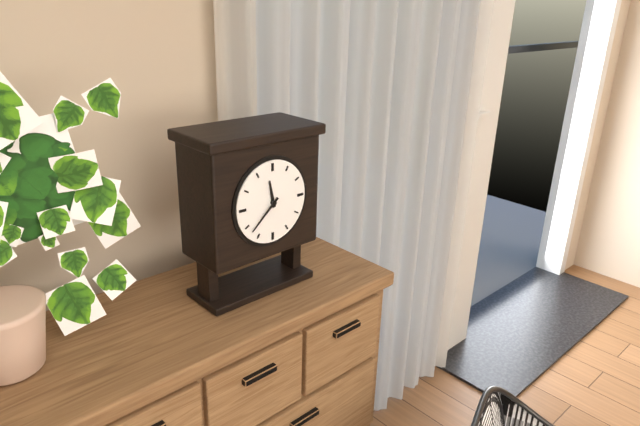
11:38
